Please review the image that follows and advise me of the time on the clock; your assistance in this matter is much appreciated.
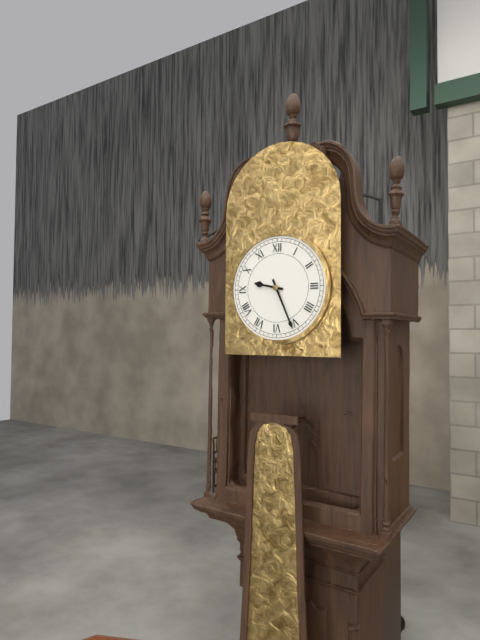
9:26
